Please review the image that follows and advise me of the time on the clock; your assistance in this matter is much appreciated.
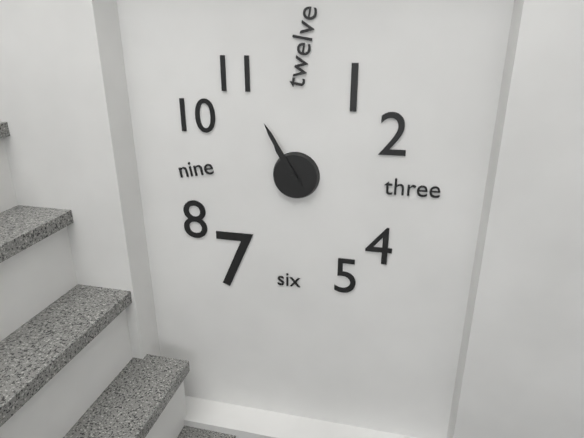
10:55
